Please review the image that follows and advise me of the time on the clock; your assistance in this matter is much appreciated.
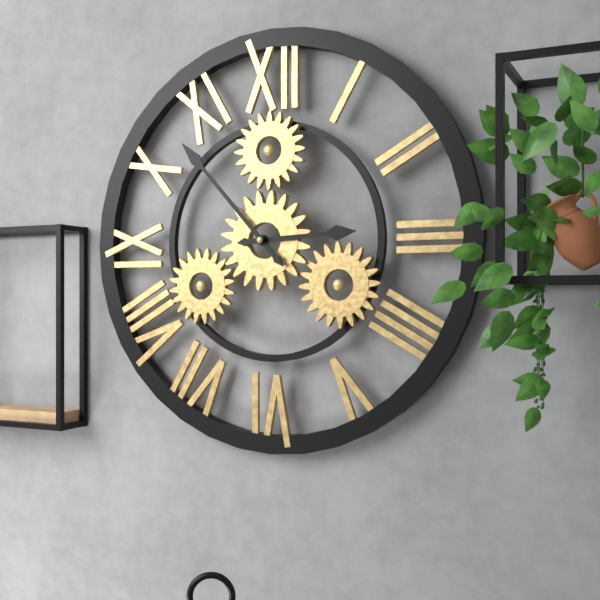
2:53
